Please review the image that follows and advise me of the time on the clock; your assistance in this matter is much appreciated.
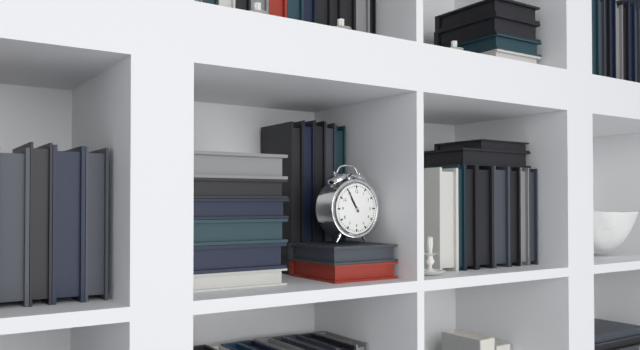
10:55
